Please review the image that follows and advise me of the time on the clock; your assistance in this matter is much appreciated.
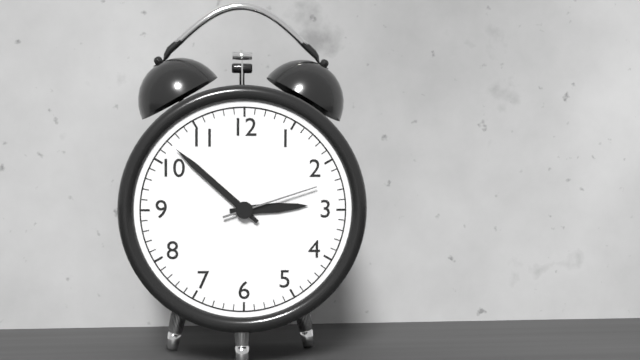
2:52:12
